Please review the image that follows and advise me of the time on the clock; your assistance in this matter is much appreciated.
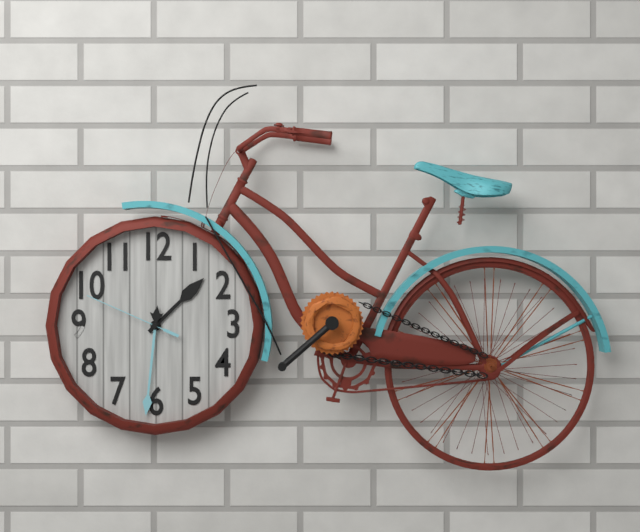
1:31:49
